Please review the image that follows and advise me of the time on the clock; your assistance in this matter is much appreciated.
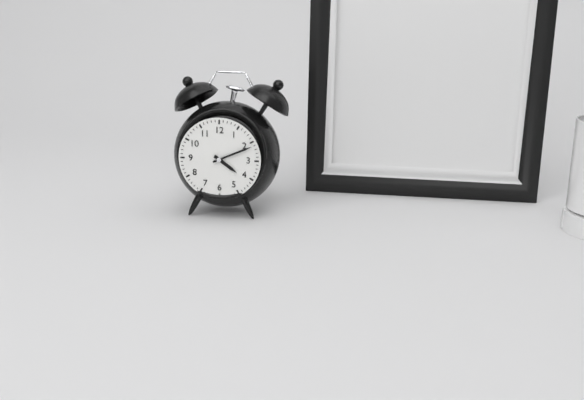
4:11
